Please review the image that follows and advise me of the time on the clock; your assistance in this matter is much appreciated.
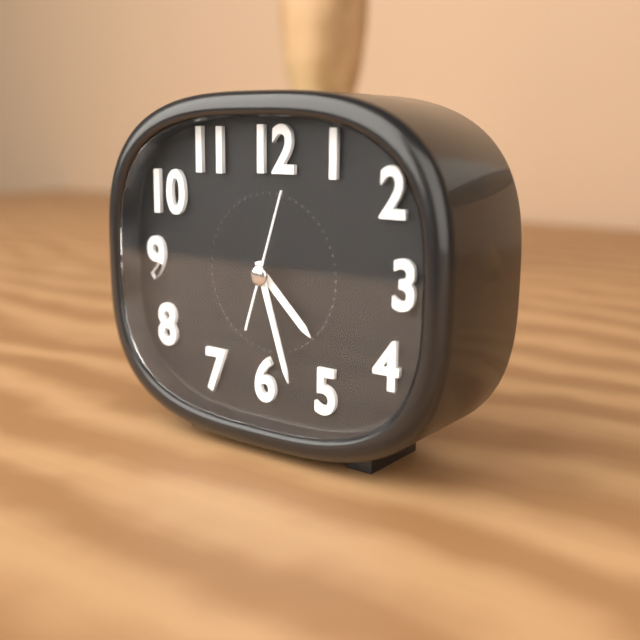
4:27:03
